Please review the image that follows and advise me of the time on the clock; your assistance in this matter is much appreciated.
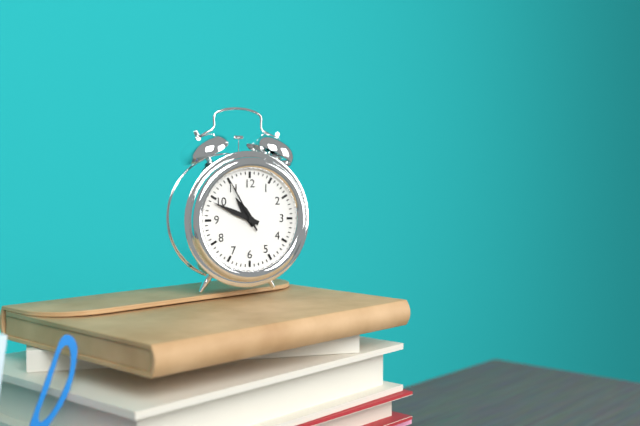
10:49:55
